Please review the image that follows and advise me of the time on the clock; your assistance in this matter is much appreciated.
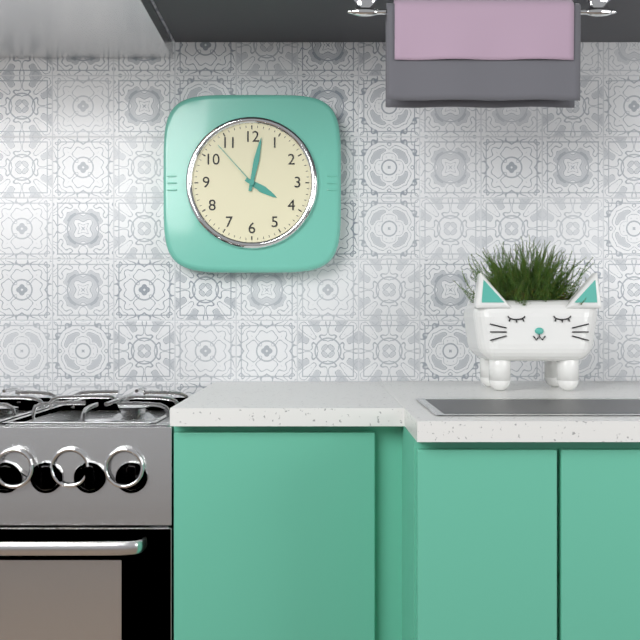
4:02:53
